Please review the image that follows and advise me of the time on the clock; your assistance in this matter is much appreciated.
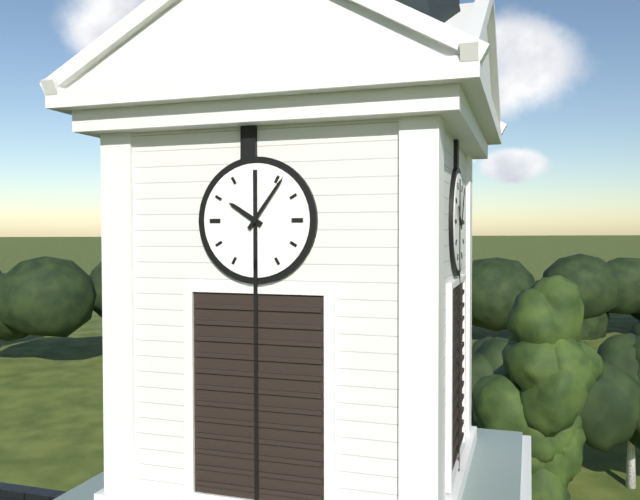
10:06
